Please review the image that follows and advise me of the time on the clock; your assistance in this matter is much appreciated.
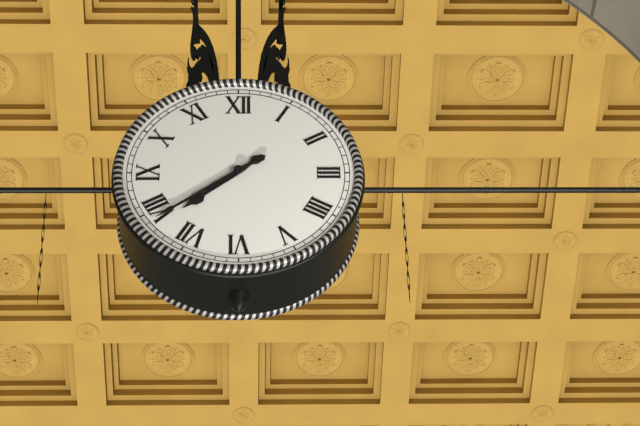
7:39
